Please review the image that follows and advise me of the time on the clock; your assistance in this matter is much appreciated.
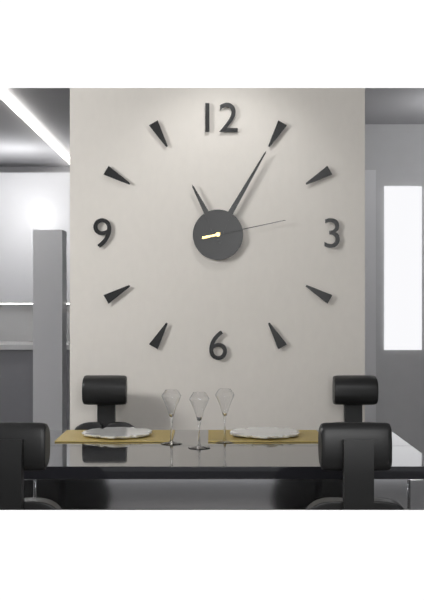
11:05:13
